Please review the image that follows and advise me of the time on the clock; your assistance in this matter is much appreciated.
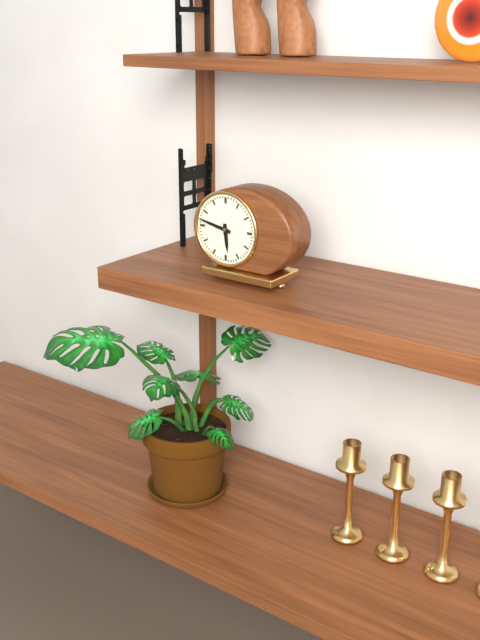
5:47
